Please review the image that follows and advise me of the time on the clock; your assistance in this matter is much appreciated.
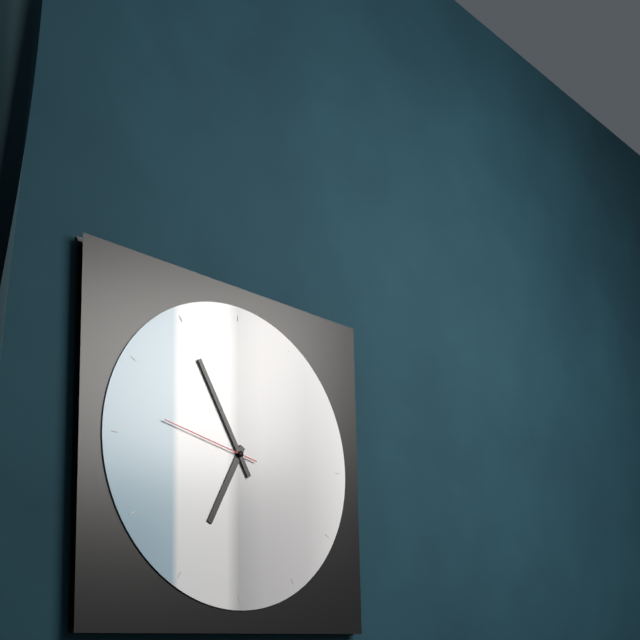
6:55:47
